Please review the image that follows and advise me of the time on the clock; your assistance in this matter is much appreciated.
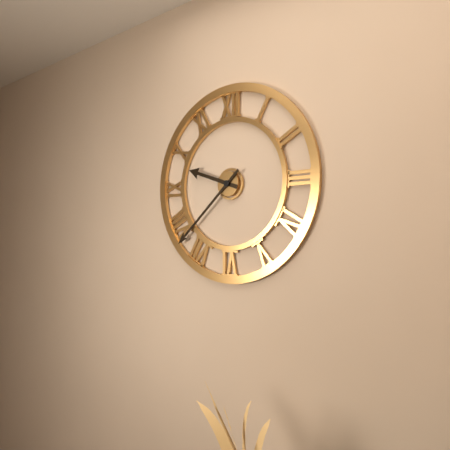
9:38
